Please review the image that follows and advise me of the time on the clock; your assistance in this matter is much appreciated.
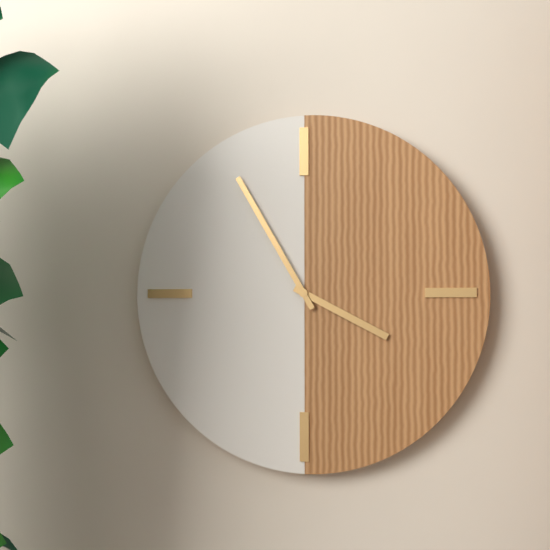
3:55
